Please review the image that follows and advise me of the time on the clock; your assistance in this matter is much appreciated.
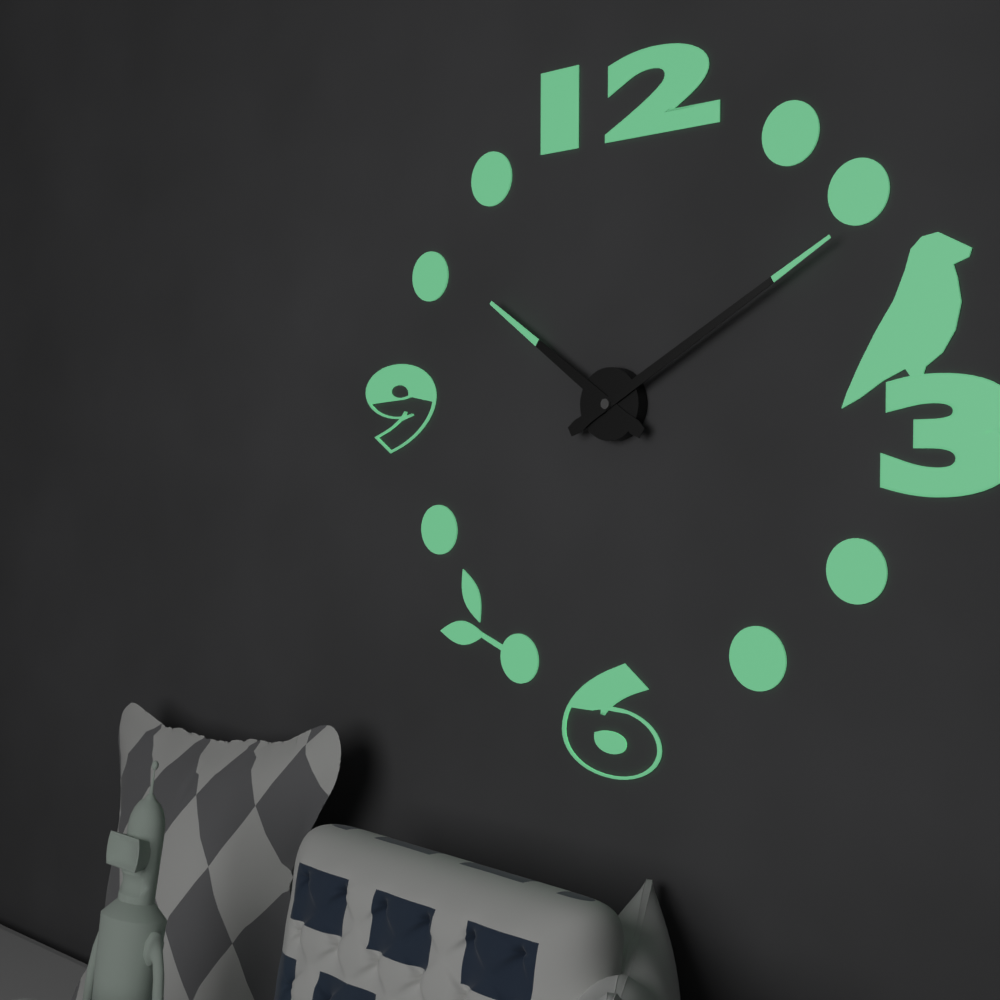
10:10
